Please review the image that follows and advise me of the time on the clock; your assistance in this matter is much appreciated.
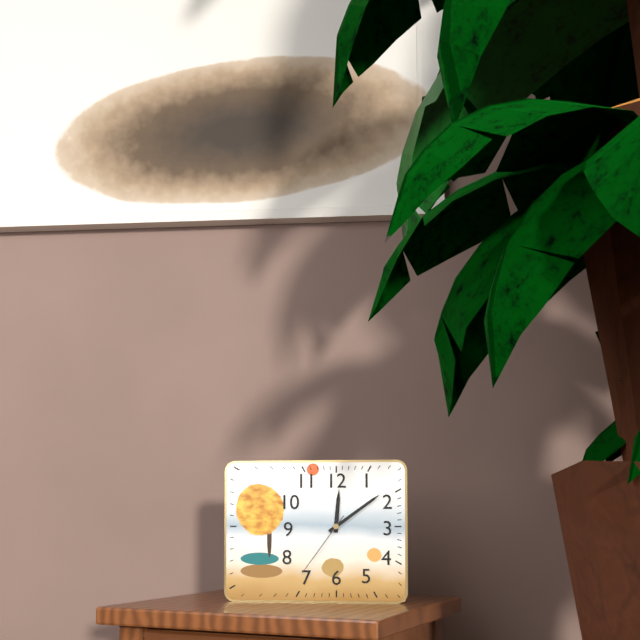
12:09:36
